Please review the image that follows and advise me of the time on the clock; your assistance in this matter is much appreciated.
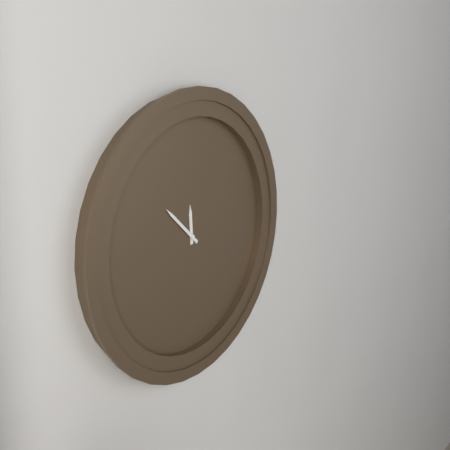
11:52
